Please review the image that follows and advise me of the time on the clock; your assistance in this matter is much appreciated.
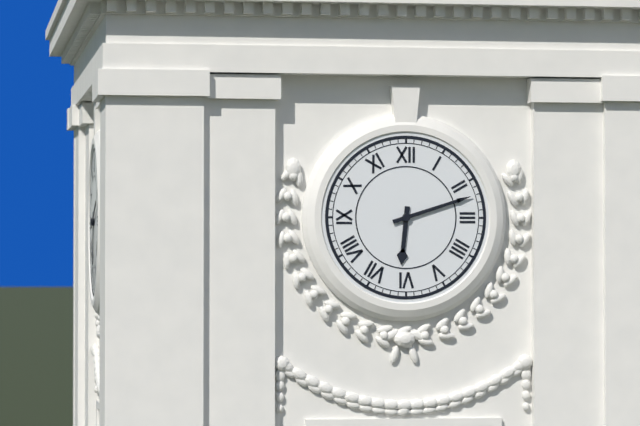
6:12
